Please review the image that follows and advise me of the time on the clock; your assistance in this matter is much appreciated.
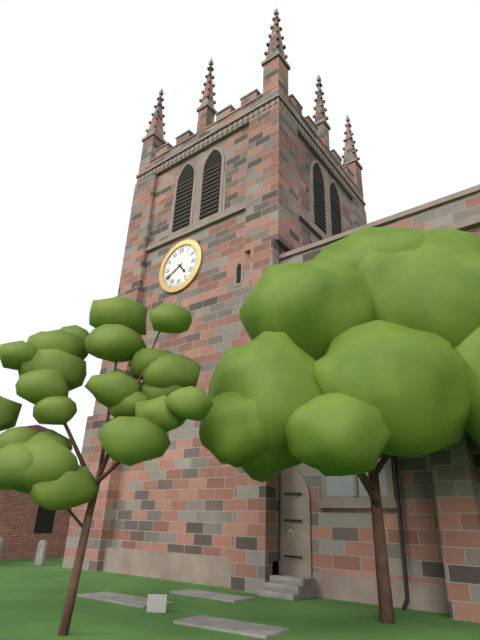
4:40
